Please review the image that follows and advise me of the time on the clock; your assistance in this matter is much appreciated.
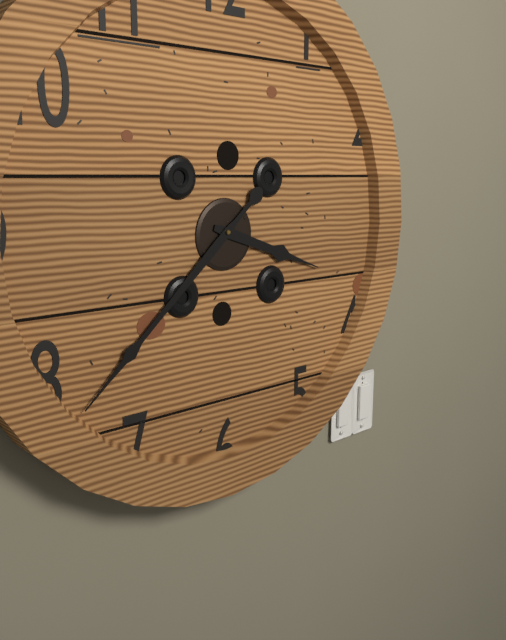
3:38
